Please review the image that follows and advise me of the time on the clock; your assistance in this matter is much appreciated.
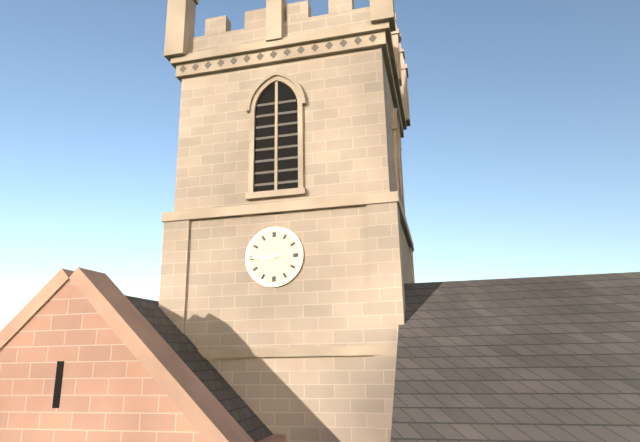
8:45
